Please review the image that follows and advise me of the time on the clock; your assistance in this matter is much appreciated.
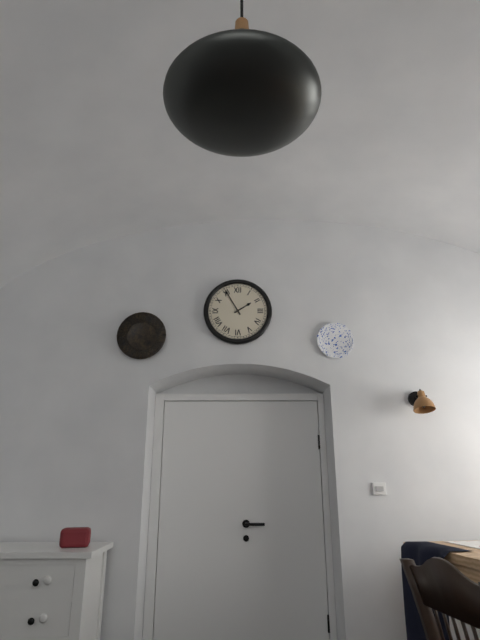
1:55
